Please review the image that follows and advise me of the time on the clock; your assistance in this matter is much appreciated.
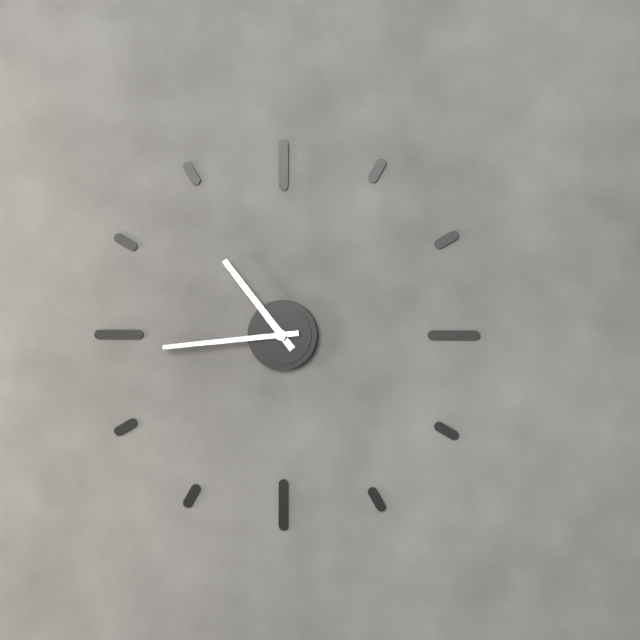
10:44
